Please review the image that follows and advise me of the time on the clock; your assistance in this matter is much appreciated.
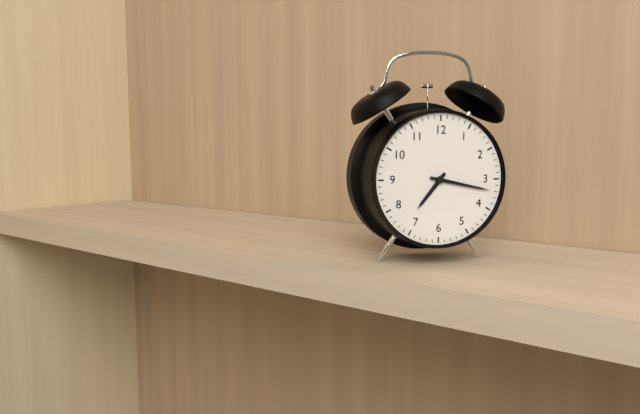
7:17
